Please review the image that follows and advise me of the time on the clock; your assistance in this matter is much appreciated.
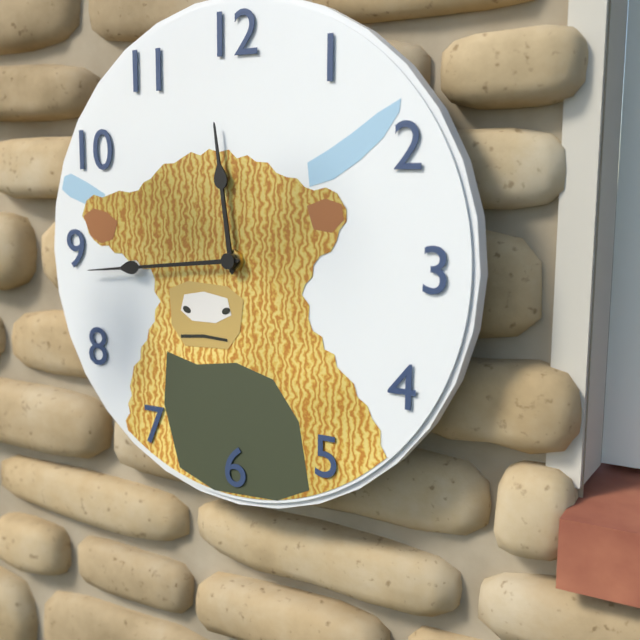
11:44
